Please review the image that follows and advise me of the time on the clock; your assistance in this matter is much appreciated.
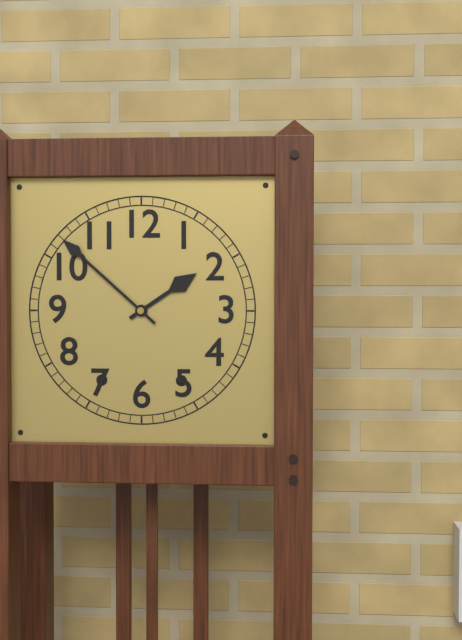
1:52
